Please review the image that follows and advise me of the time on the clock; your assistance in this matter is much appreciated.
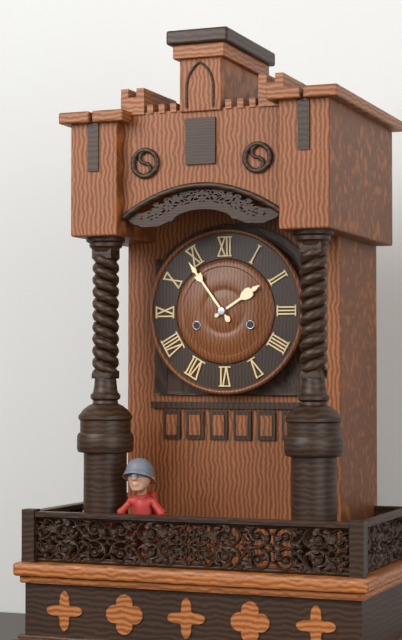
1:54
